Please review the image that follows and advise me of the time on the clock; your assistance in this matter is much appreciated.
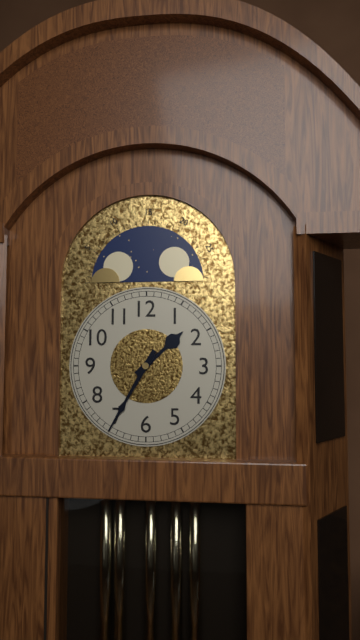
1:35
